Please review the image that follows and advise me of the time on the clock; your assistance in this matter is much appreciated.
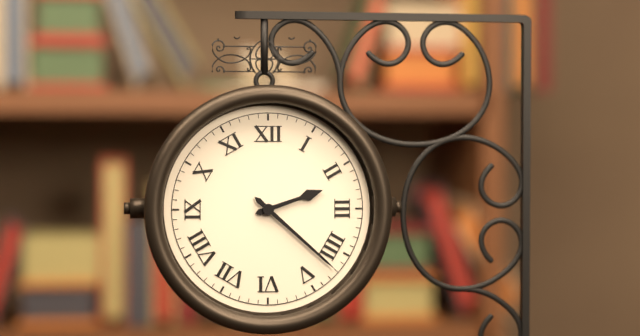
2:22
